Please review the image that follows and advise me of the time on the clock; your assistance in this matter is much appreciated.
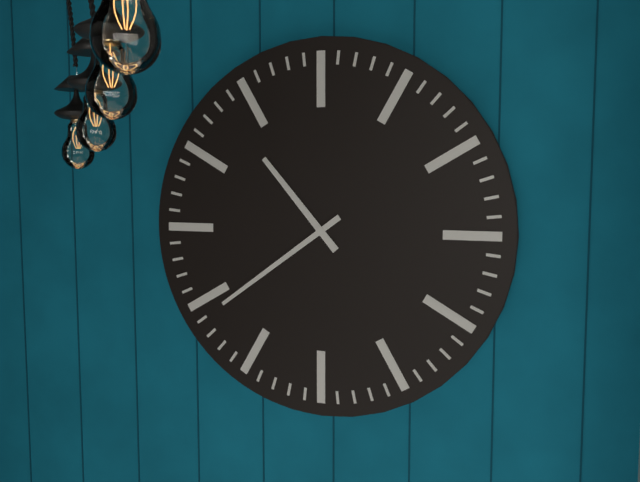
10:39
